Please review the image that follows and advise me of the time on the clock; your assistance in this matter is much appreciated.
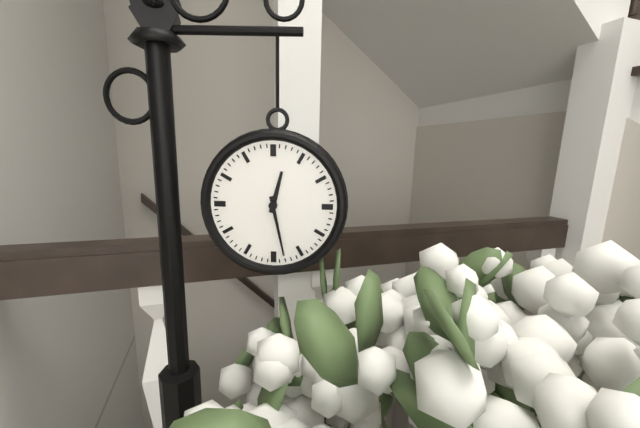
12:28
